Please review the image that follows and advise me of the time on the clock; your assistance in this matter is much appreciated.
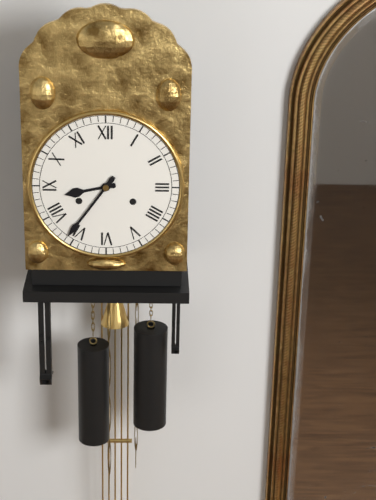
8:36
